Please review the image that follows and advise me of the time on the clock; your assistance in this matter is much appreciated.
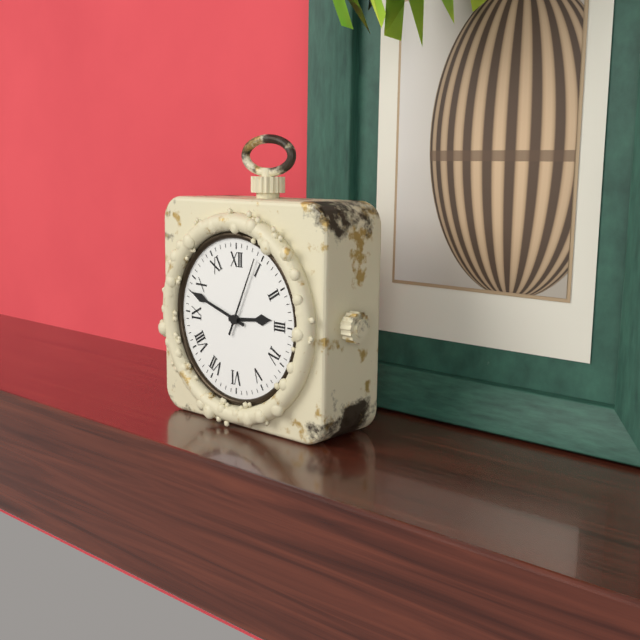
2:48:04
